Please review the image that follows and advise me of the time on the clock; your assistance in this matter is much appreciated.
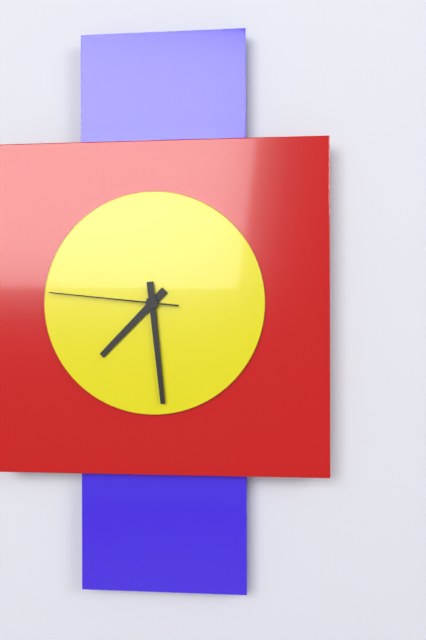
7:29:46
